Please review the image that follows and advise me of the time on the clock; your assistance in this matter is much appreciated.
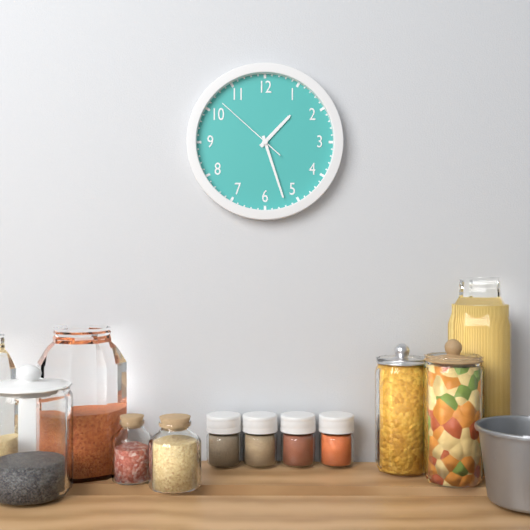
1:27:52
